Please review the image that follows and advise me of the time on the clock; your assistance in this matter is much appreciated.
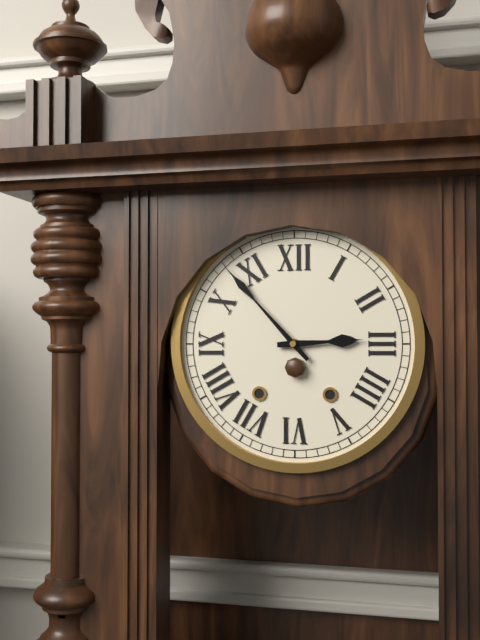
2:53
